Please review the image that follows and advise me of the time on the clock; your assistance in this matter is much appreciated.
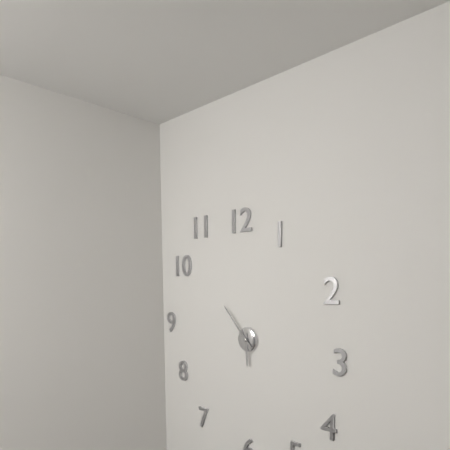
5:53
